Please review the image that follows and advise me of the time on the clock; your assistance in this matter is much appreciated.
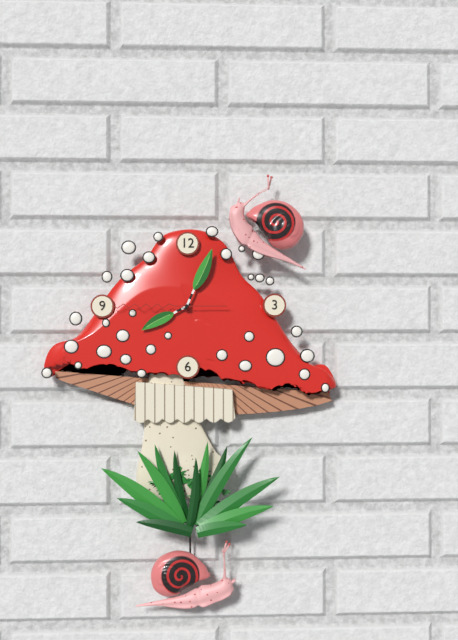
8:04:45
